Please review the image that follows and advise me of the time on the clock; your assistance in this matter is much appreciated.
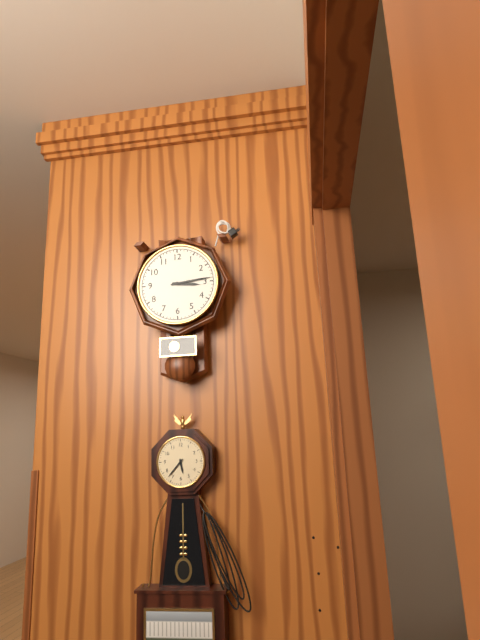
3:14
